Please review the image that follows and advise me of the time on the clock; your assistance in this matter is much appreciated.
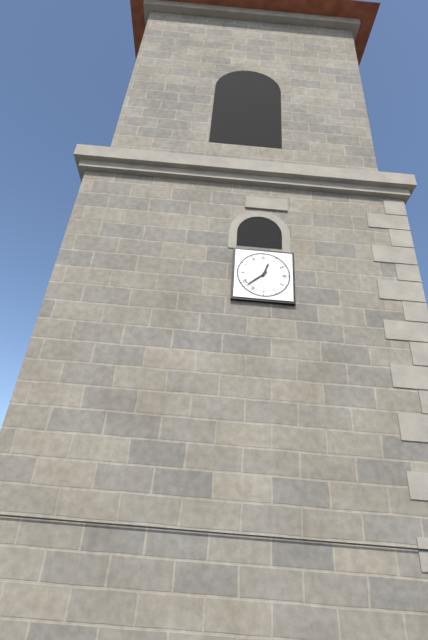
12:38
